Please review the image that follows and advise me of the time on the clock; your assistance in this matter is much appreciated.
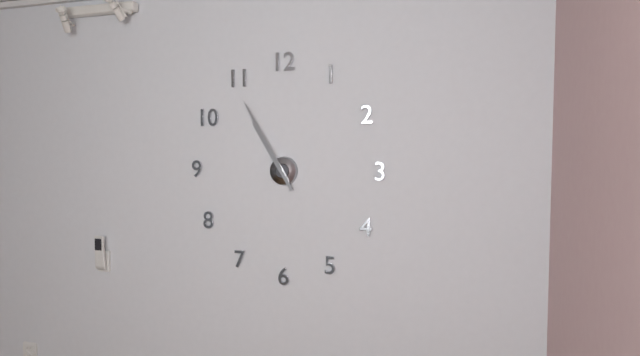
10:55
